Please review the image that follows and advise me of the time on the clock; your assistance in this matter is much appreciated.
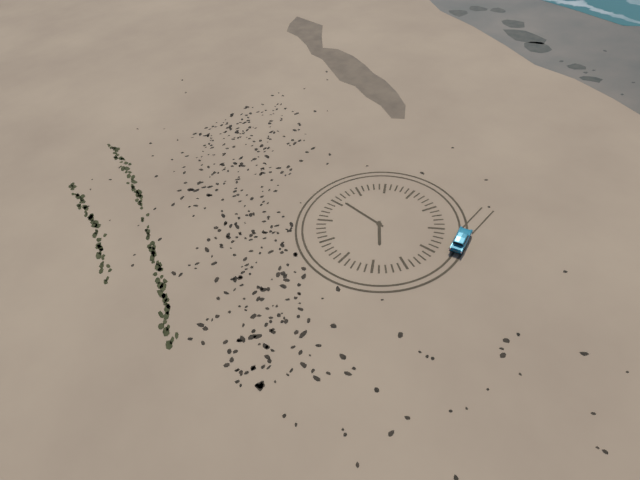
4:46
